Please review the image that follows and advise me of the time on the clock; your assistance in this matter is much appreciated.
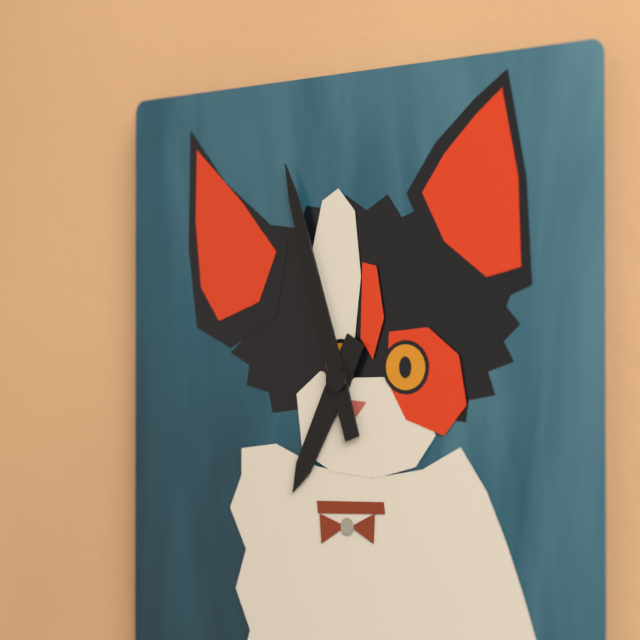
6:57
